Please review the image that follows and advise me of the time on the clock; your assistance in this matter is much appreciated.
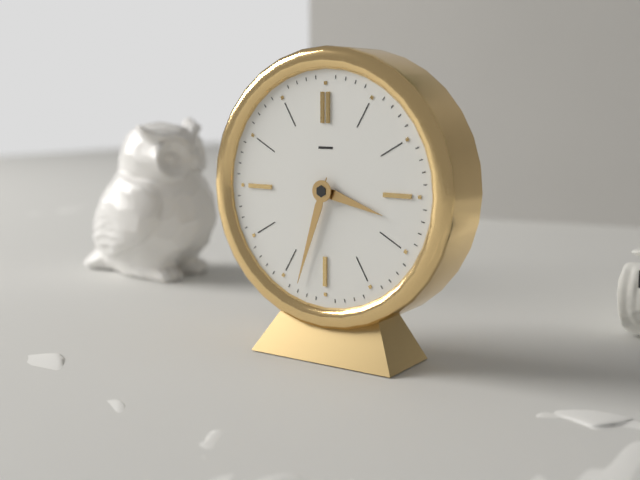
3:33
